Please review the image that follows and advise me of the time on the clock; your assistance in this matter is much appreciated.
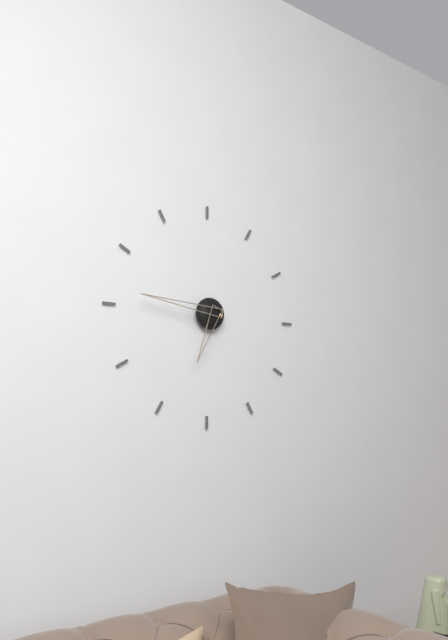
6:46
